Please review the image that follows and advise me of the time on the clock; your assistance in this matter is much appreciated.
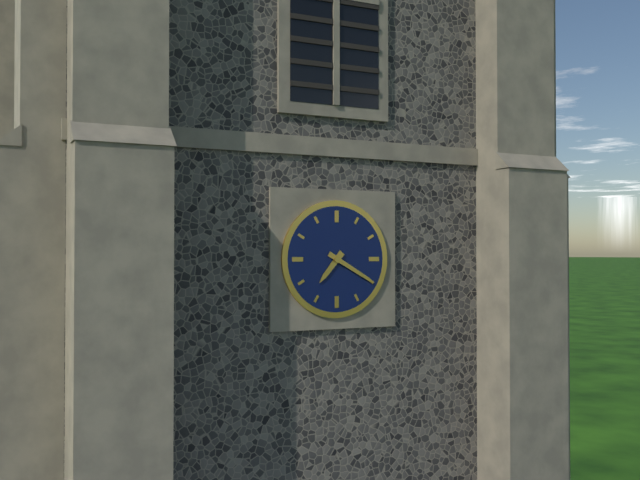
7:20
